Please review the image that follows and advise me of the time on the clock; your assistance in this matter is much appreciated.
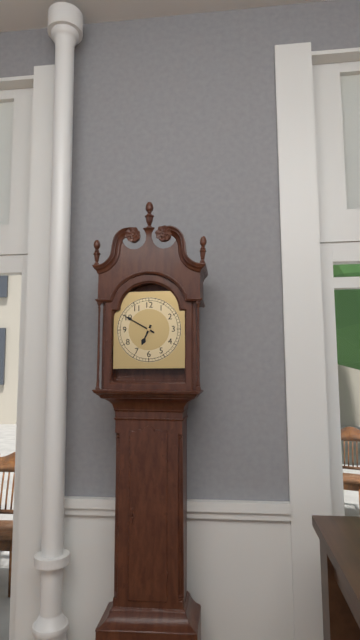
6:50
